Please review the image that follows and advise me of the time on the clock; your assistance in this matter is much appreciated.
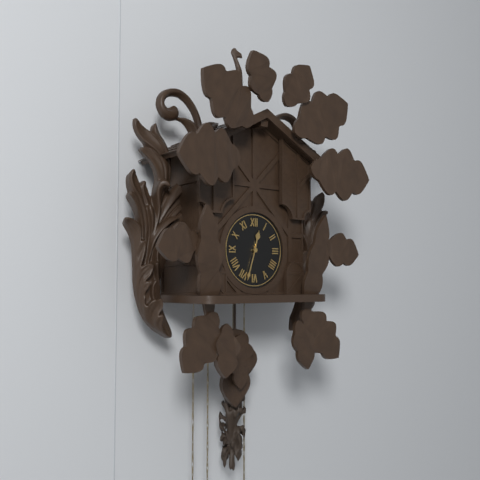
12:33
